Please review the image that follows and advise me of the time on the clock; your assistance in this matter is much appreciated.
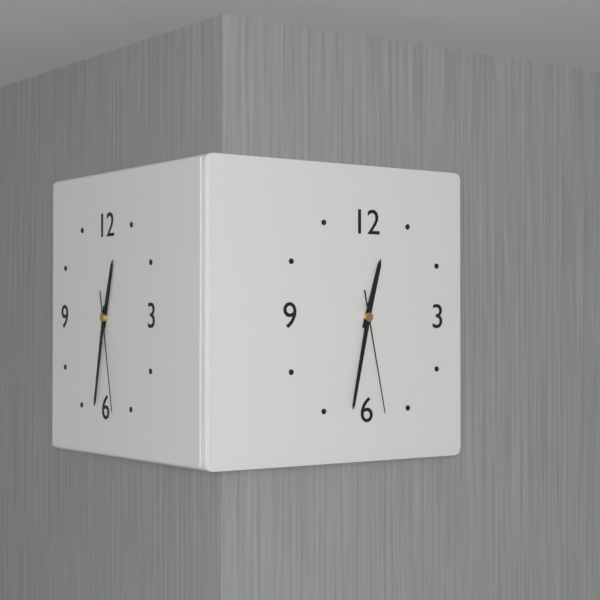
12:32:28
